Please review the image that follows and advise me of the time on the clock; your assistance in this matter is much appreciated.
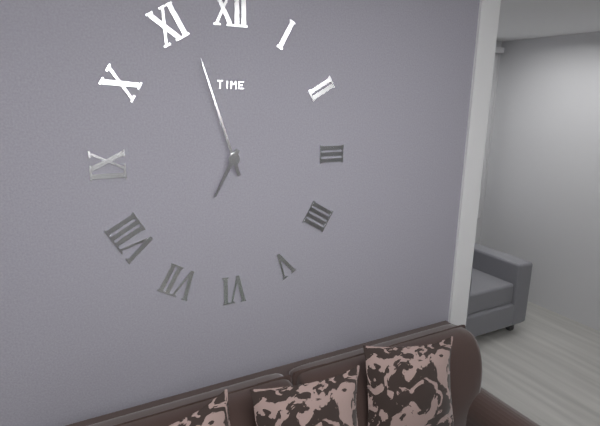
6:57
